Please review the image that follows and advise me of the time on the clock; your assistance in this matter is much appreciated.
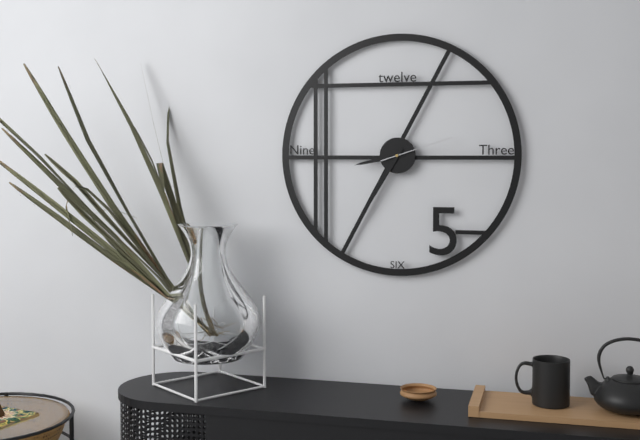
8:35:12
